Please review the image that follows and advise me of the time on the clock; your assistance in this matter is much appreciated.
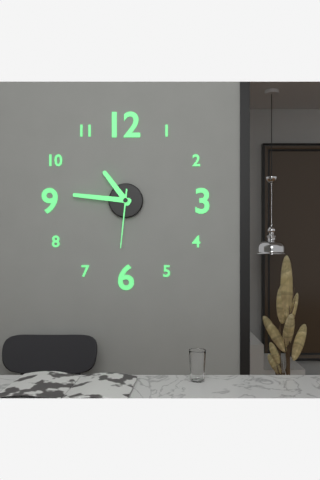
10:46:31
